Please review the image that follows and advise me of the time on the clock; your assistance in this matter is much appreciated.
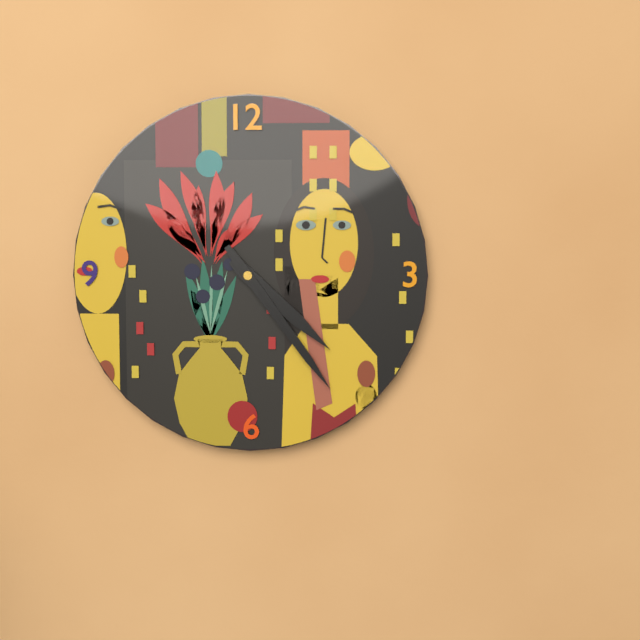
4:24
